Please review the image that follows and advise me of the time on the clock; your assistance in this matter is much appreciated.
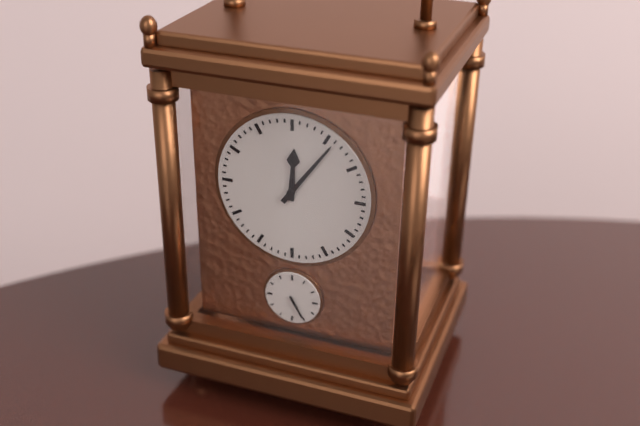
12:06
